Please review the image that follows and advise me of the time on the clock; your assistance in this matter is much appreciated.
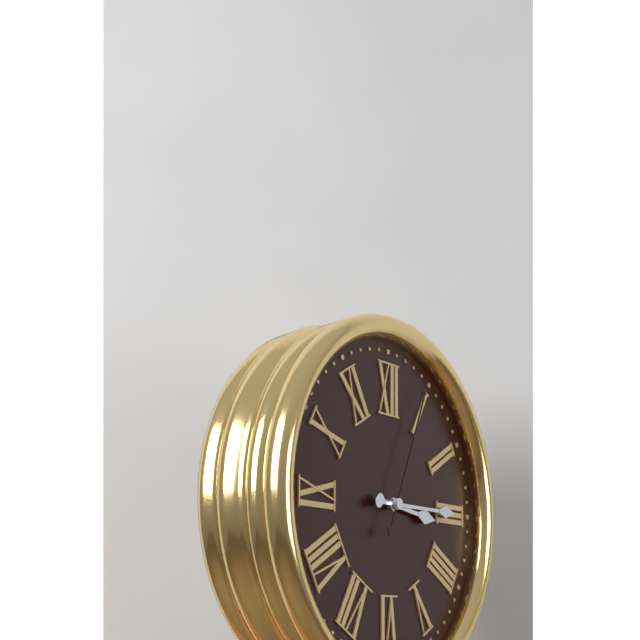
3:15:04
